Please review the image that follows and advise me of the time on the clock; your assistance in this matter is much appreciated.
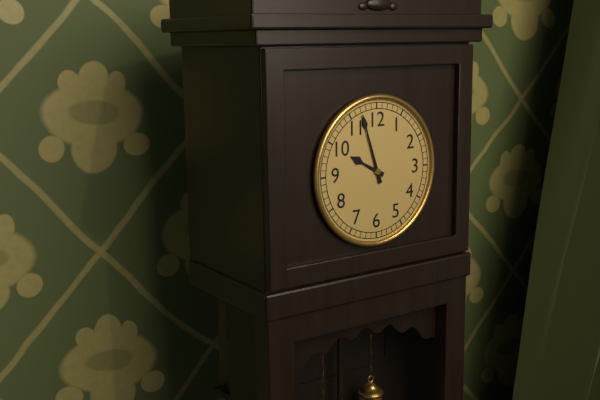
9:57
